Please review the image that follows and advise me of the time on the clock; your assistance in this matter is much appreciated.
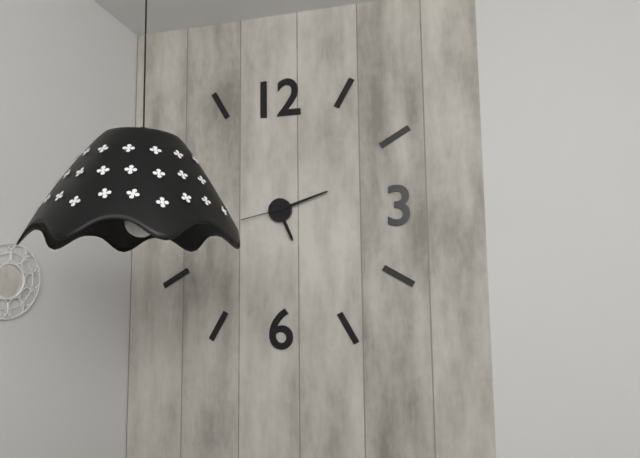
5:12:43
